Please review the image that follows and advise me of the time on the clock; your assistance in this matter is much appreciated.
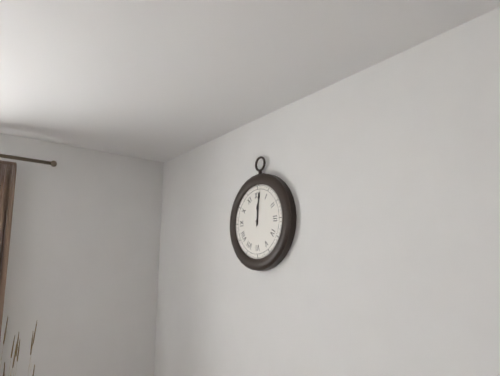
12:01
